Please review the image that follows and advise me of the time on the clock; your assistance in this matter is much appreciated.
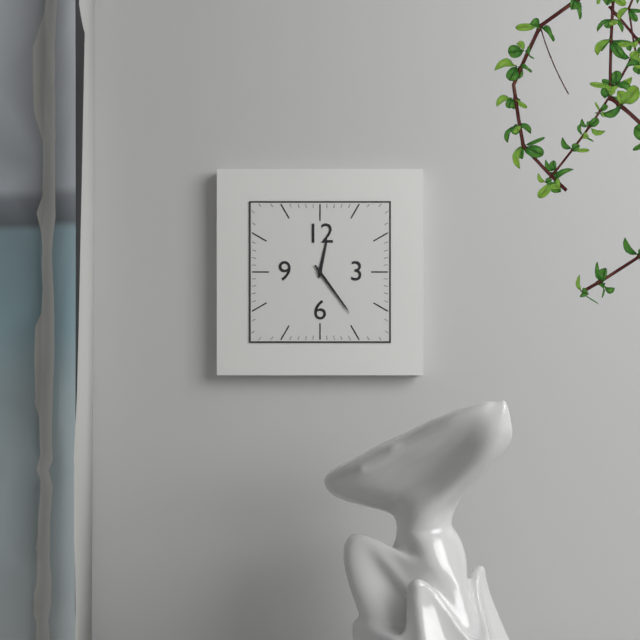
12:24
